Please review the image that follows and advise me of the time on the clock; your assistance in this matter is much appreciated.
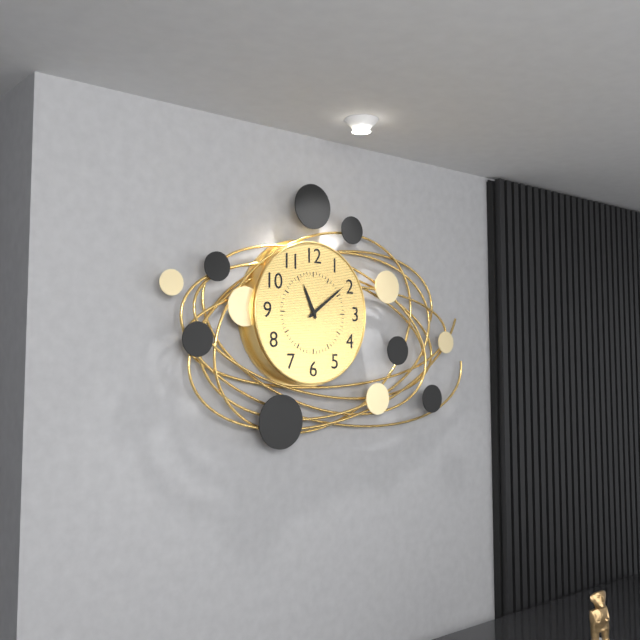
11:09
